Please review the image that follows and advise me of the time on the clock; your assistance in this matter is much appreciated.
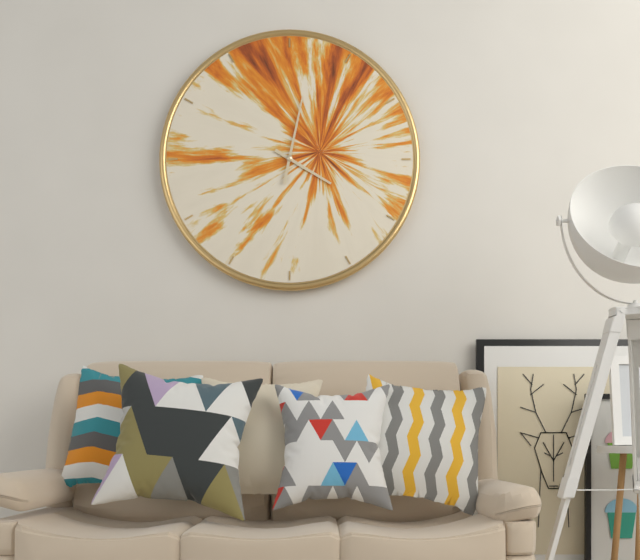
4:02
